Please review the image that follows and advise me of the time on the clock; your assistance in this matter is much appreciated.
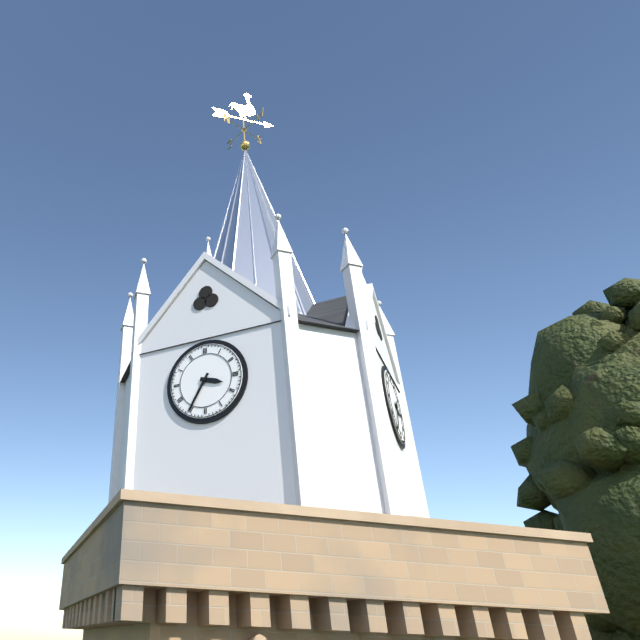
3:35
